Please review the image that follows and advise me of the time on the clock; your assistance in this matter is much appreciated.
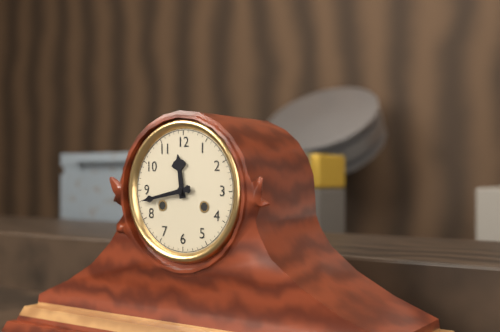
11:43
